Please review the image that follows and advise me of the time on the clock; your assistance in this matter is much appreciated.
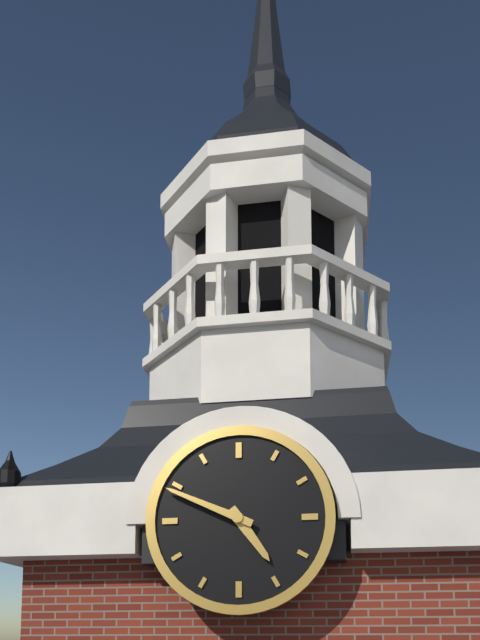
4:49
